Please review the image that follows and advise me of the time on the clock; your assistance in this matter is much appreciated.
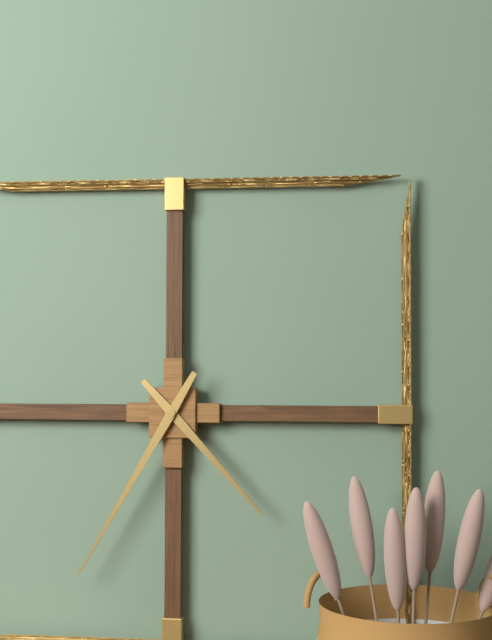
4:35
